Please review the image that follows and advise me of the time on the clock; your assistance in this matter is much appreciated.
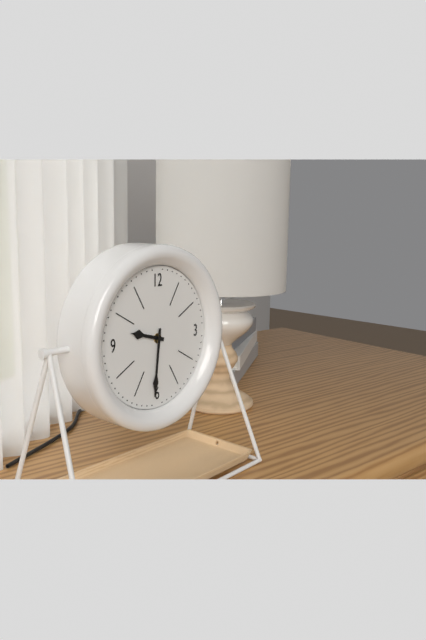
9:31
